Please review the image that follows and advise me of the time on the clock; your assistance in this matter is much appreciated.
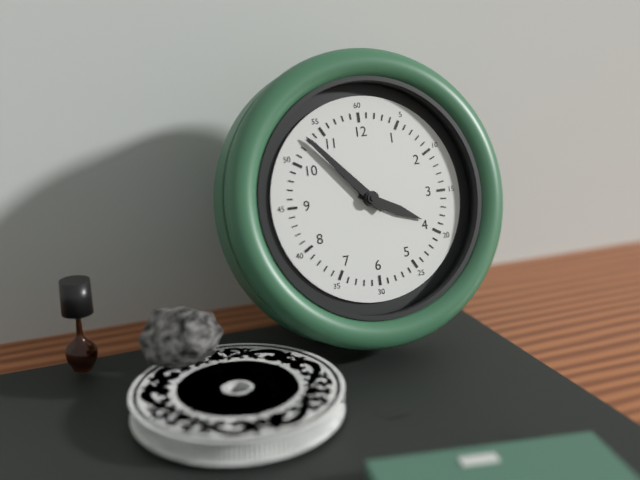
3:53
